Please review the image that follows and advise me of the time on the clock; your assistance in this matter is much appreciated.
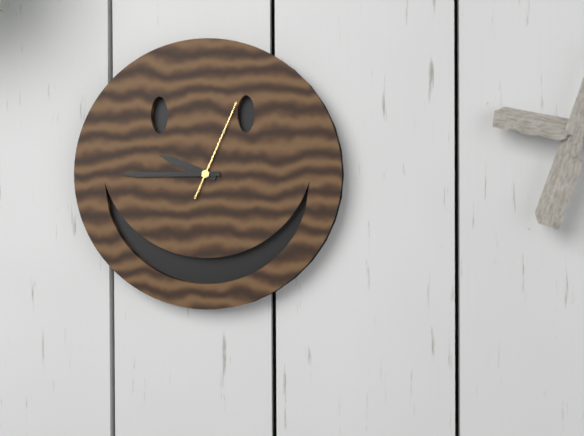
9:45:04
